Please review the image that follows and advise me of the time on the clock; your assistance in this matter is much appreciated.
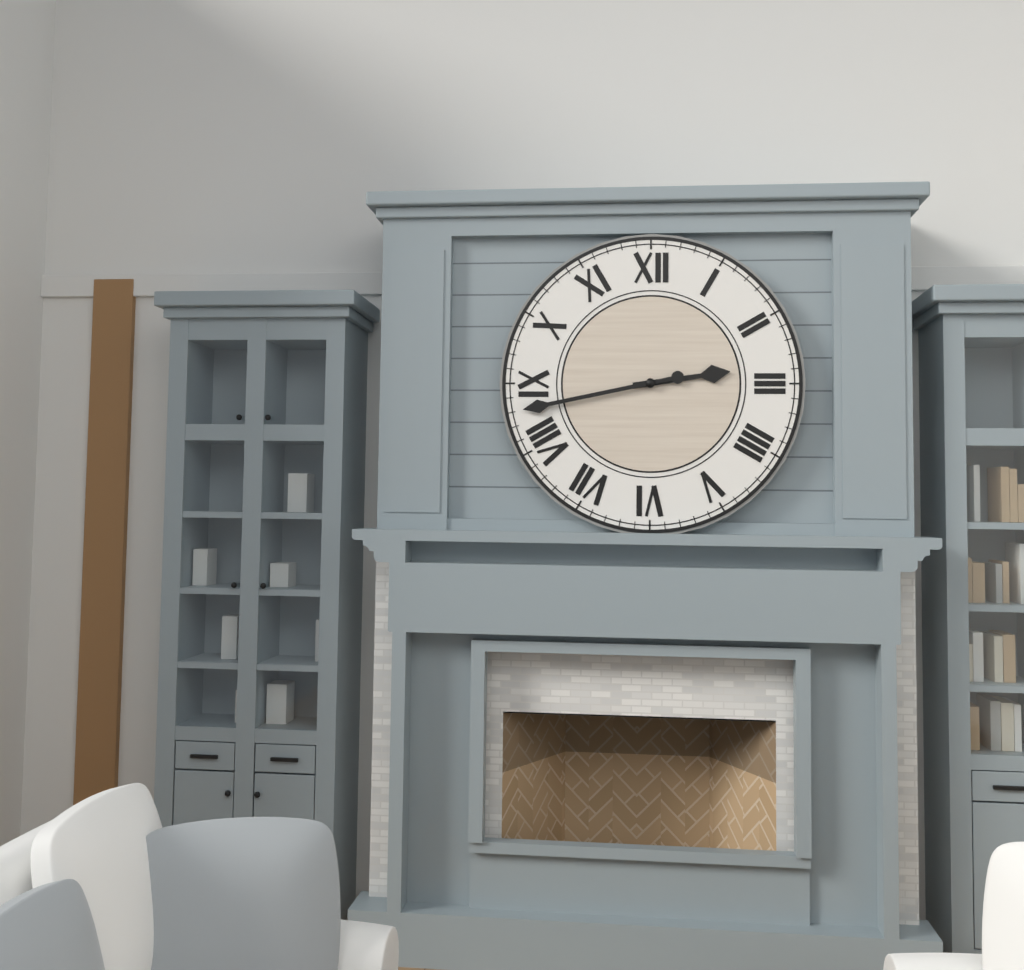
2:43
